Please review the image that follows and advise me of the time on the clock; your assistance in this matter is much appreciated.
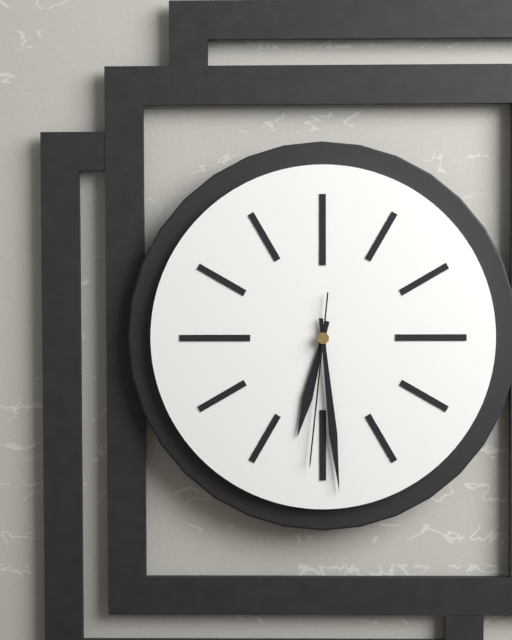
6:29:31
